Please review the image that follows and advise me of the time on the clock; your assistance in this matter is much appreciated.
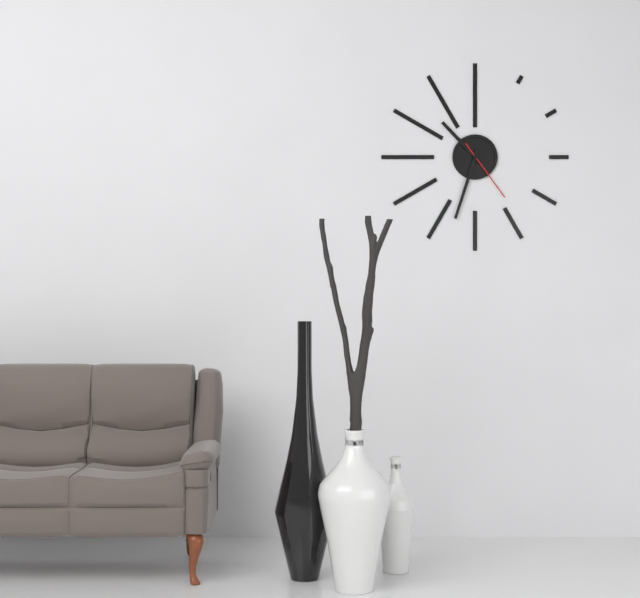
10:33:24
